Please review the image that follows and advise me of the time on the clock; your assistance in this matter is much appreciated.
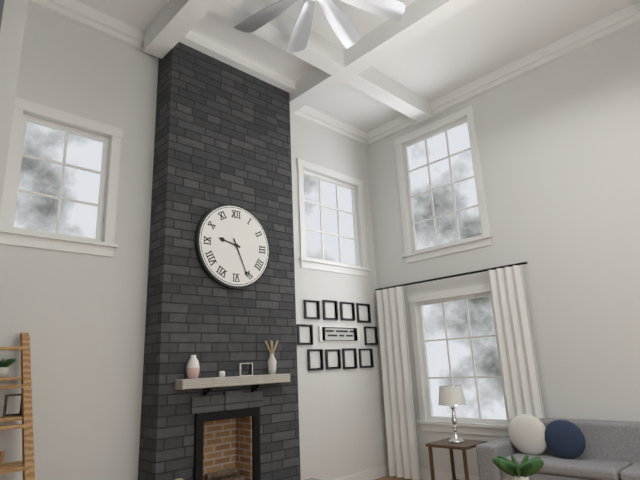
9:26
